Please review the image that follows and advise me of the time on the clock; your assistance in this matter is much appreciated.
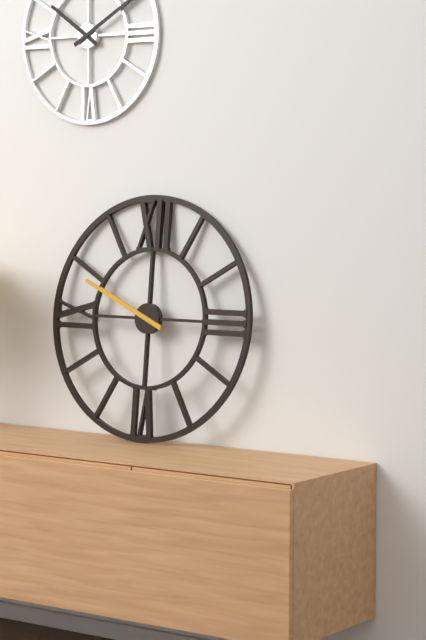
9:49
